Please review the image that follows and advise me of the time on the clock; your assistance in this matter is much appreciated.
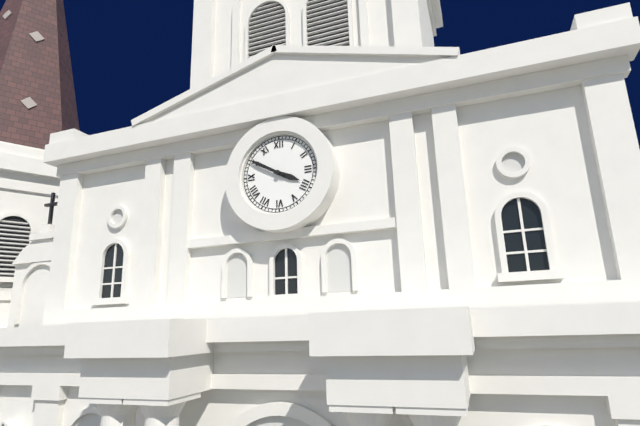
3:50
